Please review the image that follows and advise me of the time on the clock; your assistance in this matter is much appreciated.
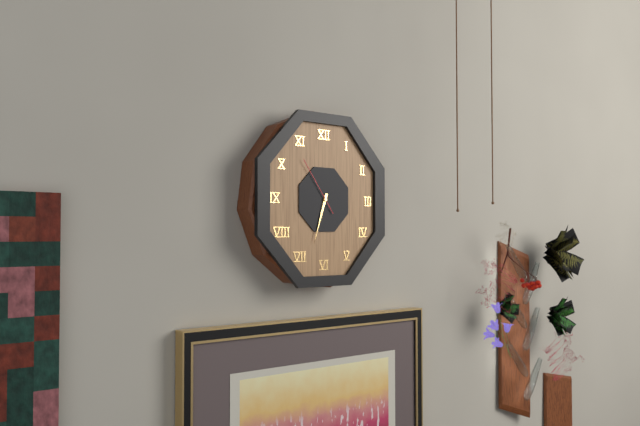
6:33:54
